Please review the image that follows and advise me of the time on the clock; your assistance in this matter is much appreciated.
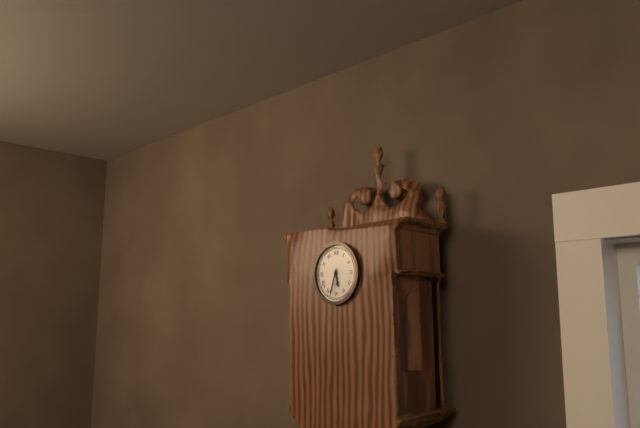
5:33
